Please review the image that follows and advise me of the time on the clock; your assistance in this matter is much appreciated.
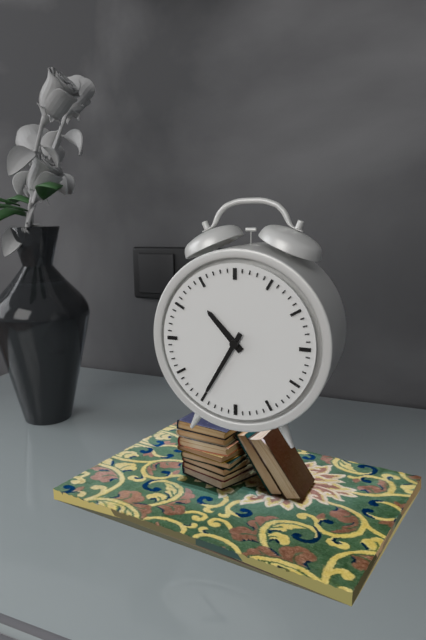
10:35
